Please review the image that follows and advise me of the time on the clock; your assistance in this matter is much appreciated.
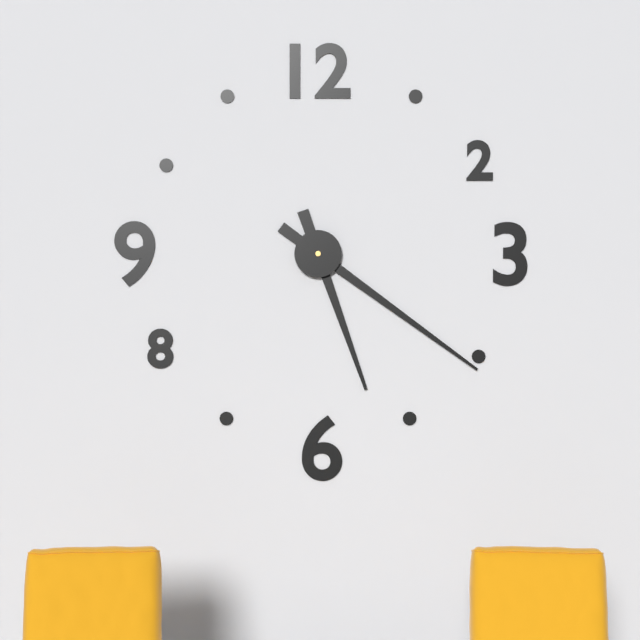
5:21
